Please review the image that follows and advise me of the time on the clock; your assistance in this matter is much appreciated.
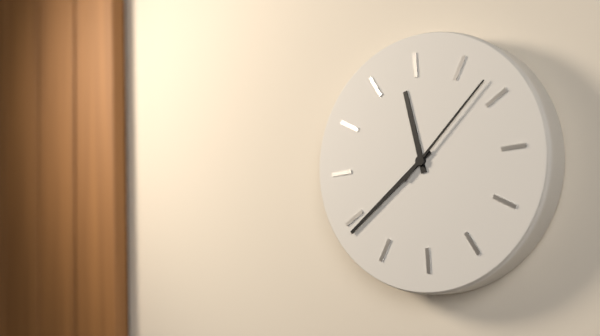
11:39:08
